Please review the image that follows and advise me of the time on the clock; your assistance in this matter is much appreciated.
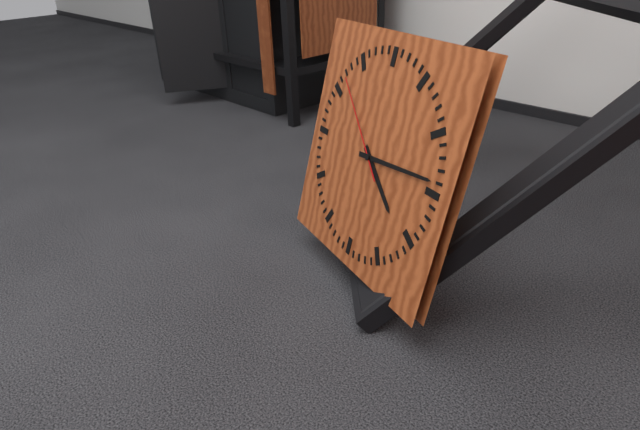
4:14:52
